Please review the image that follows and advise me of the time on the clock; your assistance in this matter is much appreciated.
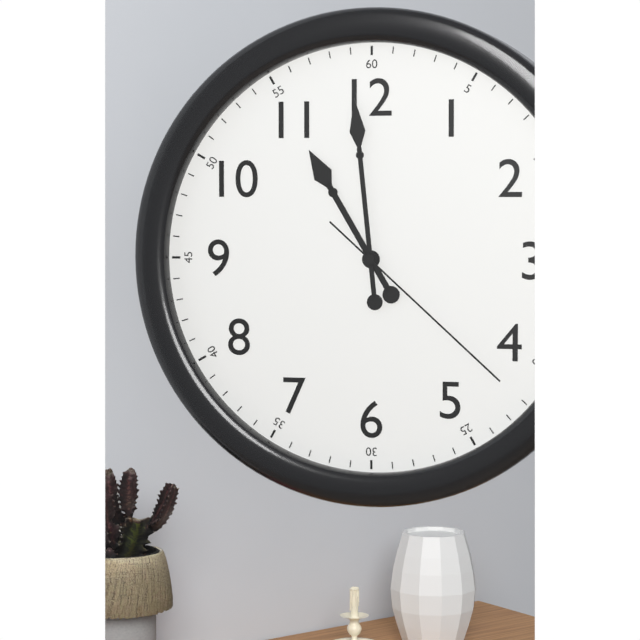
10:59:22
